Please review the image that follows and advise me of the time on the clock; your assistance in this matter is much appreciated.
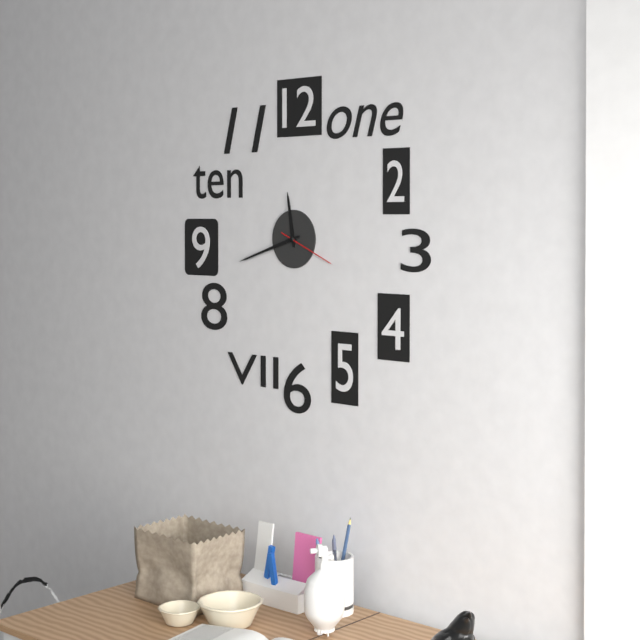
11:42:19
